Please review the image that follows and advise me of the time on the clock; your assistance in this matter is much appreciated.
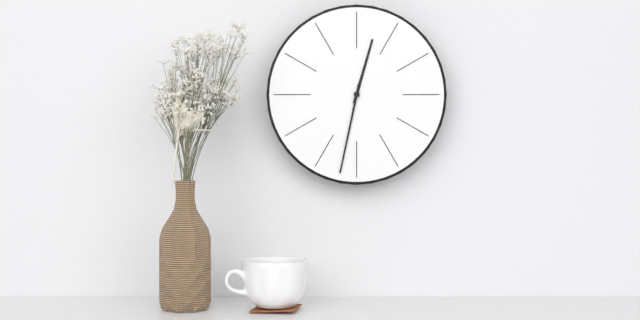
12:32
